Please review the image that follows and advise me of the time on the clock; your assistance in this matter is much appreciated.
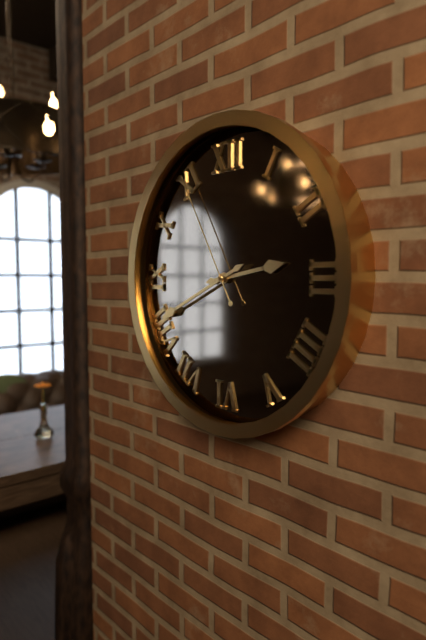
2:41:55
